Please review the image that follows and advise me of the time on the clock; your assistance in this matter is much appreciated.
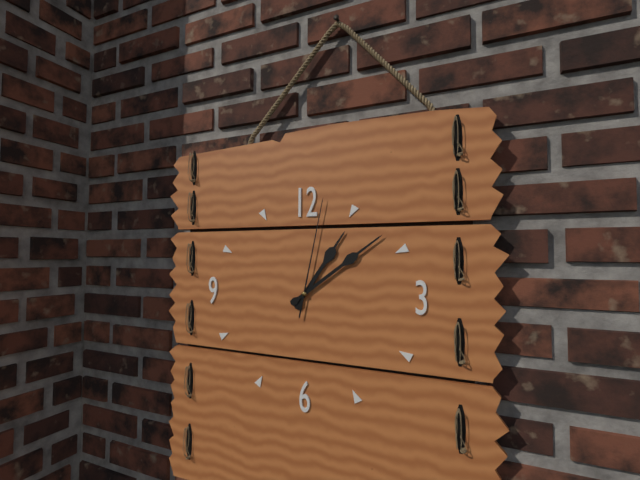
1:09:02
